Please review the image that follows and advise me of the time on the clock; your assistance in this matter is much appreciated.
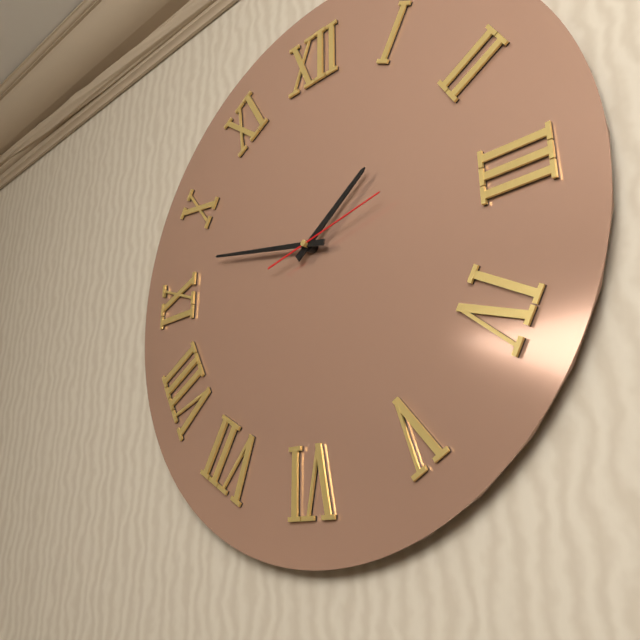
1:47:13
